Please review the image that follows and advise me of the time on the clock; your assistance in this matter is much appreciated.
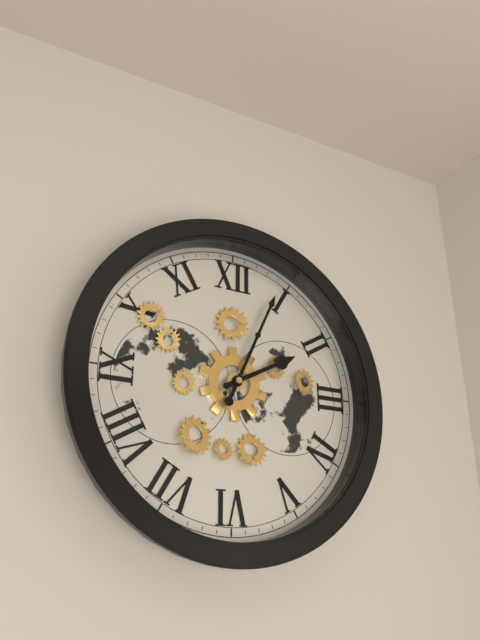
2:04
